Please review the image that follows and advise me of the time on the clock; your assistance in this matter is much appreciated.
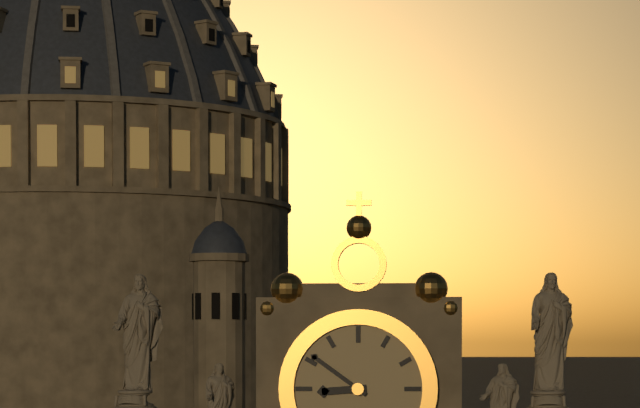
8:51
